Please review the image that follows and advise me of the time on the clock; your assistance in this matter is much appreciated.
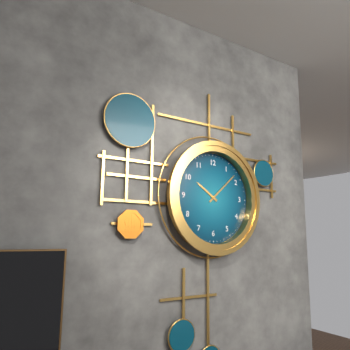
10:08
